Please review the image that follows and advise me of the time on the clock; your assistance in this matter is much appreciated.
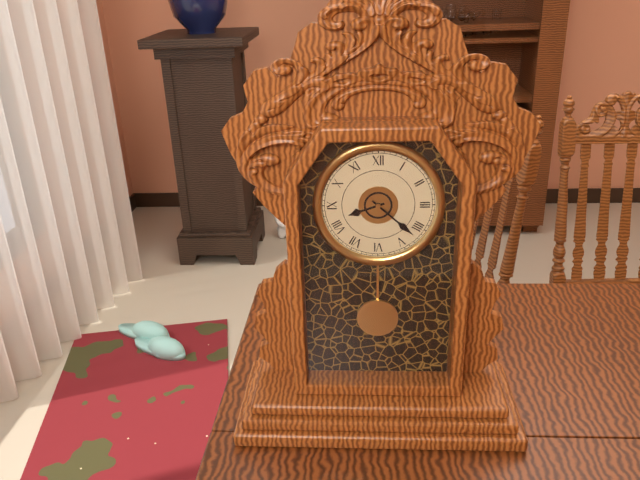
8:22
